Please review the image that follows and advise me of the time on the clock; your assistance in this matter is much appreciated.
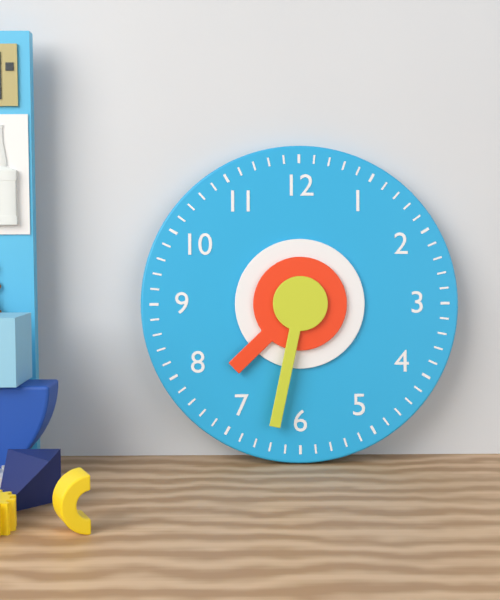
7:32
